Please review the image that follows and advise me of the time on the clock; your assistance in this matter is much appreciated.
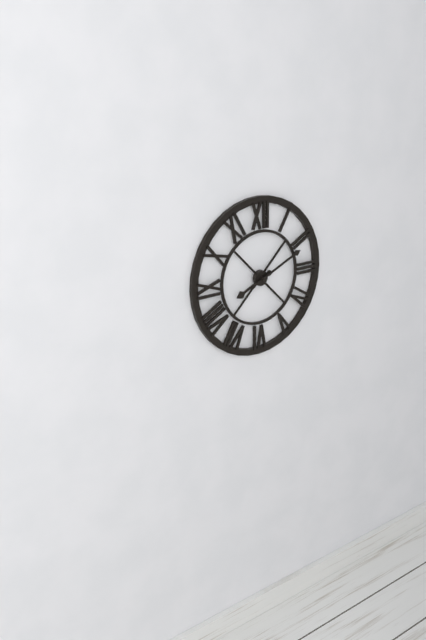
8:11
